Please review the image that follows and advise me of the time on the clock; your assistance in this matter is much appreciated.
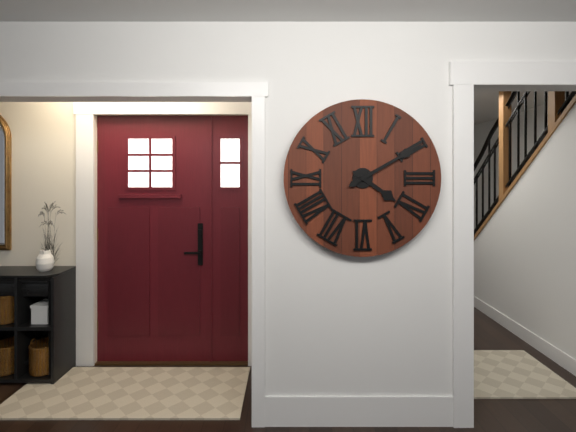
4:10
